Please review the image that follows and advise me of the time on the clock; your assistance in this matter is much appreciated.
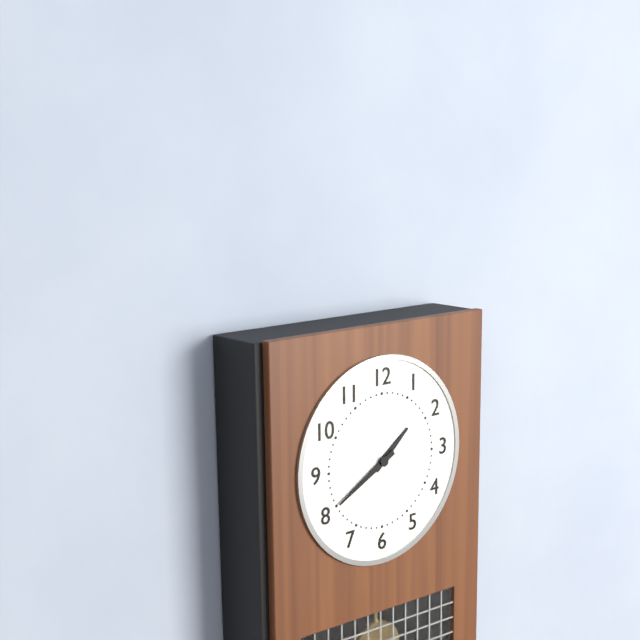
1:40
